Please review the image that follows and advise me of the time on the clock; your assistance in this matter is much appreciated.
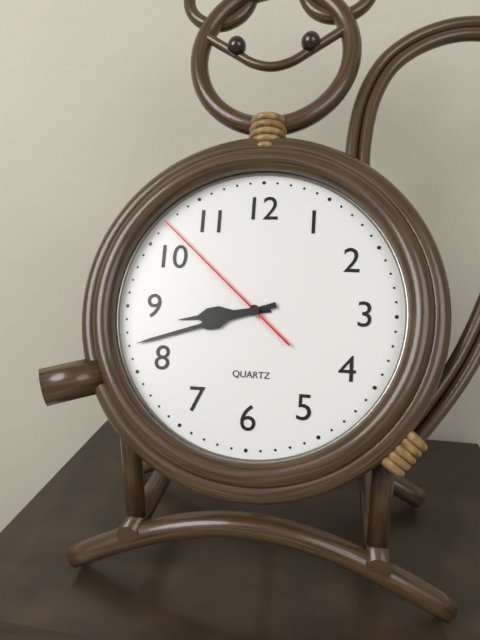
8:42:52
